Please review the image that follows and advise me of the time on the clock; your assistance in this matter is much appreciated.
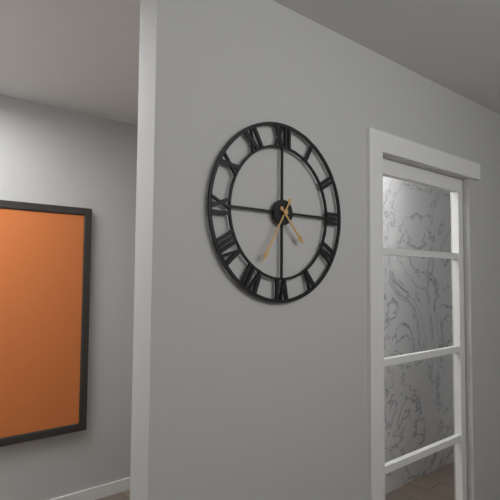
4:35
